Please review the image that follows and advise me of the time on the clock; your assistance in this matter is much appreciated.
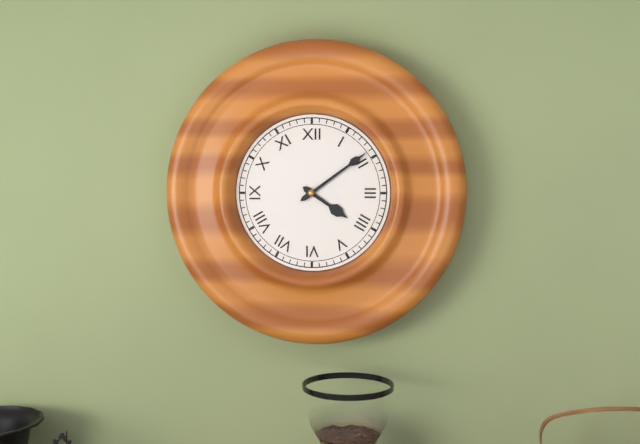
4:09
